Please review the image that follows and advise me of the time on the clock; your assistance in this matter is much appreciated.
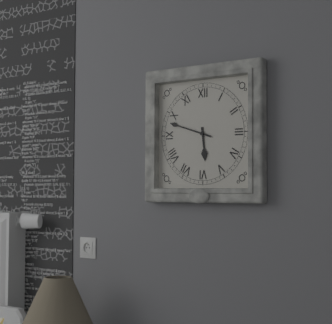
5:48
